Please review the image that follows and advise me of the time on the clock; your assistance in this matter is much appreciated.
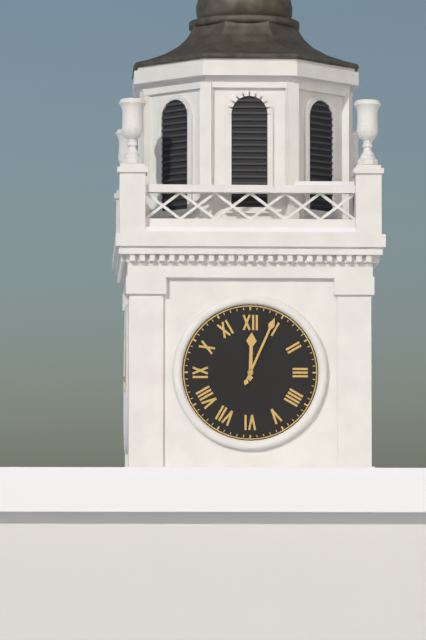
12:04
